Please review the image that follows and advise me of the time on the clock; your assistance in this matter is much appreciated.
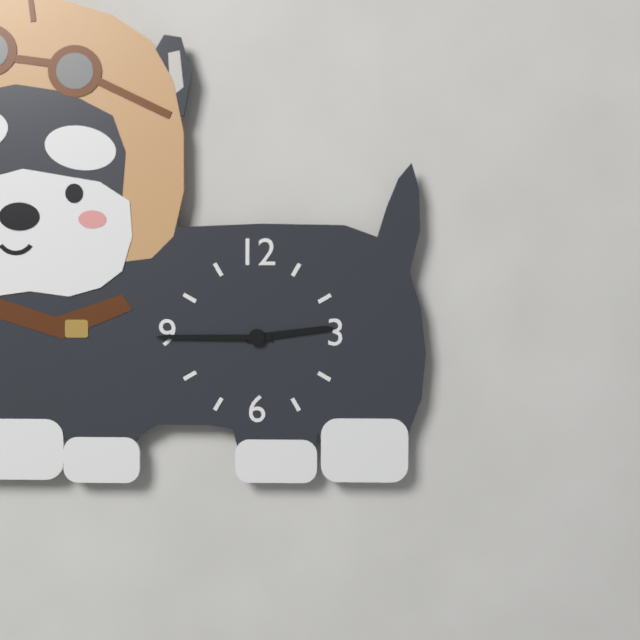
2:45
